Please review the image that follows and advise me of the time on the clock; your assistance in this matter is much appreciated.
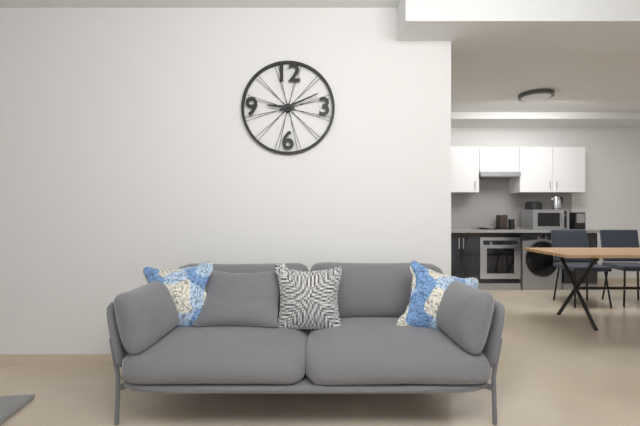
9:11
